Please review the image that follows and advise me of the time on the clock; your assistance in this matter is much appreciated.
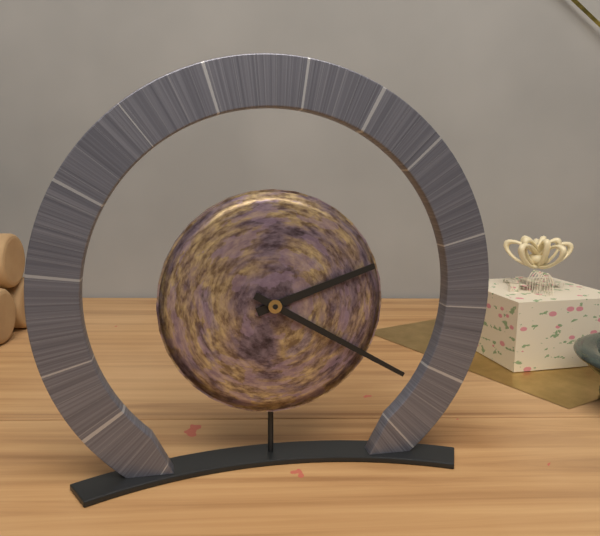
2:20
